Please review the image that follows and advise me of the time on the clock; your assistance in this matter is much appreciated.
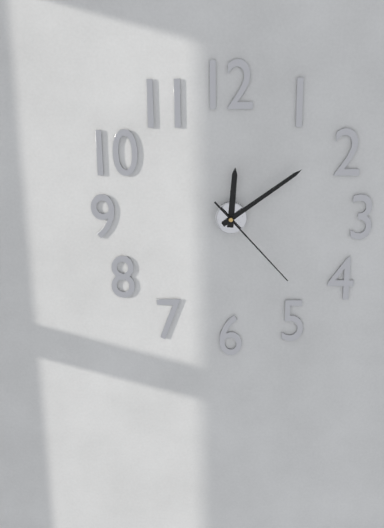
12:09:23
